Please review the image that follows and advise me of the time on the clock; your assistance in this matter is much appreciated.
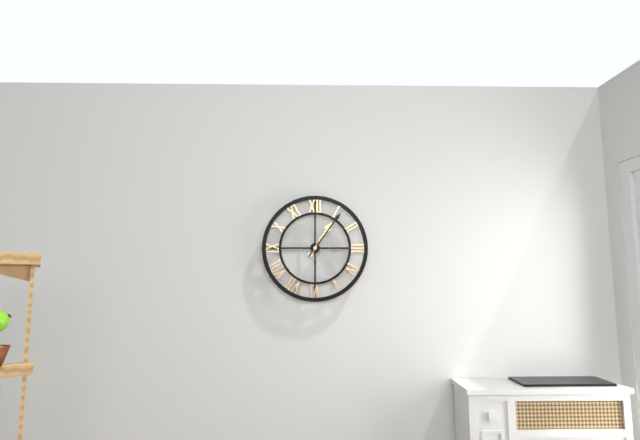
1:06
